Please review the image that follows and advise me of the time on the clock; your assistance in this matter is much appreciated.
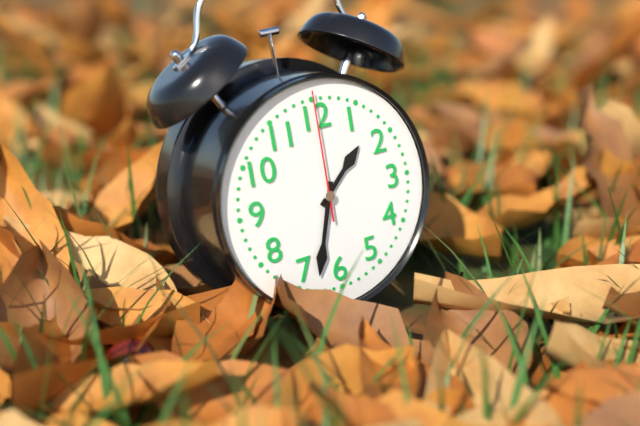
1:33:00
